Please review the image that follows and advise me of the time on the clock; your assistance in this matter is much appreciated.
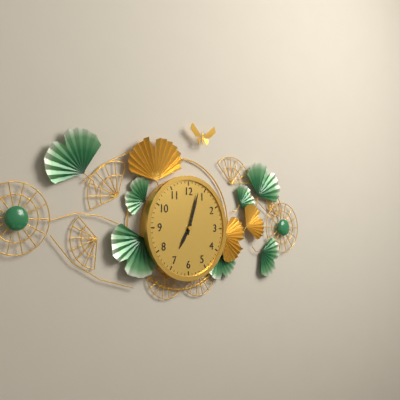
7:03
